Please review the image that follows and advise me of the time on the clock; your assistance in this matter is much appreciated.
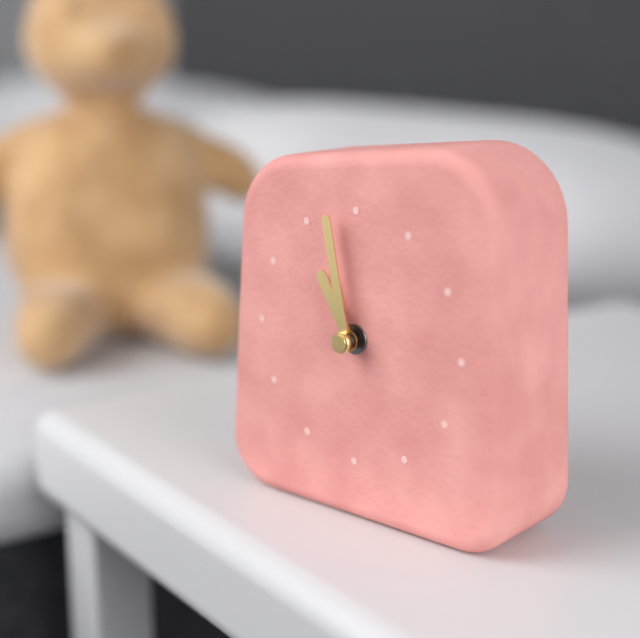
10:58
